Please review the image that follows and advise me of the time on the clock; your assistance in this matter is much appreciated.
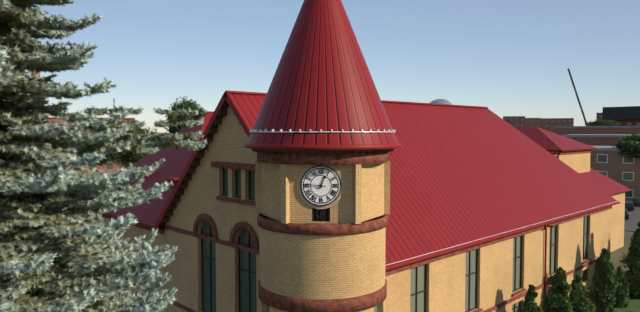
12:46
